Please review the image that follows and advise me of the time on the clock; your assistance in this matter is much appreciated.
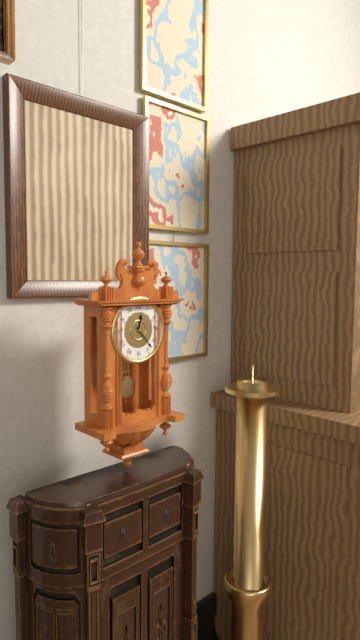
12:23
